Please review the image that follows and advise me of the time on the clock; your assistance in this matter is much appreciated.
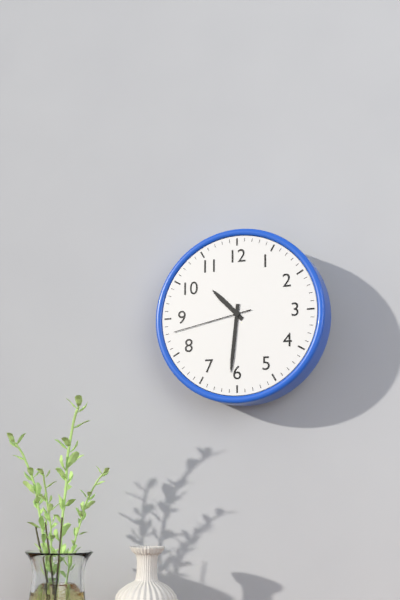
10:31:43
